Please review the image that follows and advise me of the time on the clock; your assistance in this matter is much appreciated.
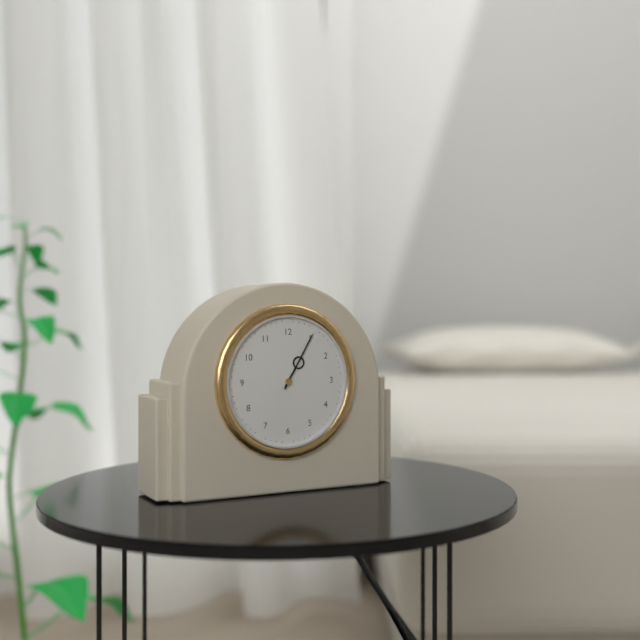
1:05
